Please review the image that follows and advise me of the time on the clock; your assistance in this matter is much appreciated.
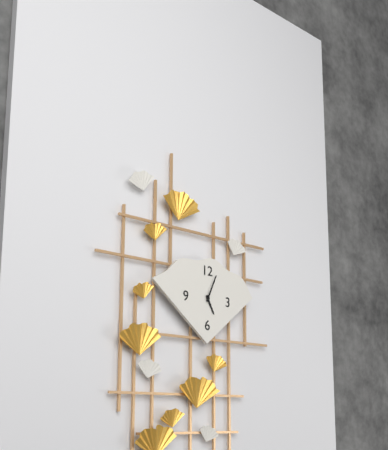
5:04
